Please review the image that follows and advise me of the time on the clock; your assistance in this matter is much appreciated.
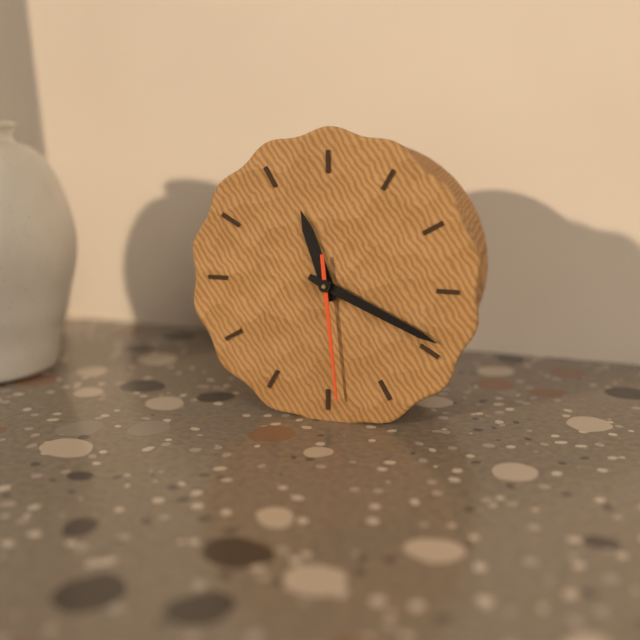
11:19:29
